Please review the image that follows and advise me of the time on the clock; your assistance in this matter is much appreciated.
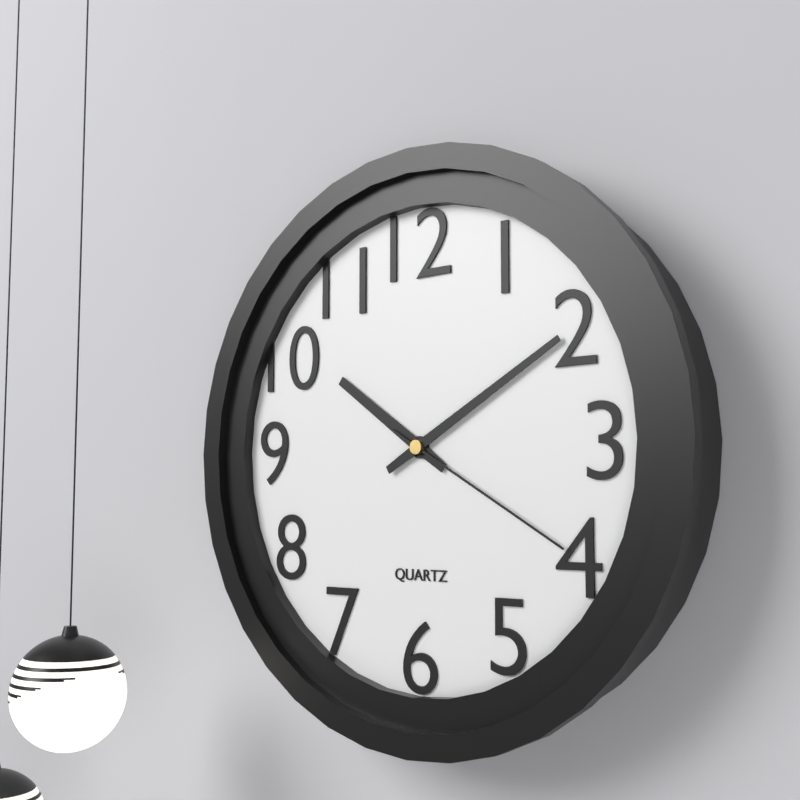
10:10:20
